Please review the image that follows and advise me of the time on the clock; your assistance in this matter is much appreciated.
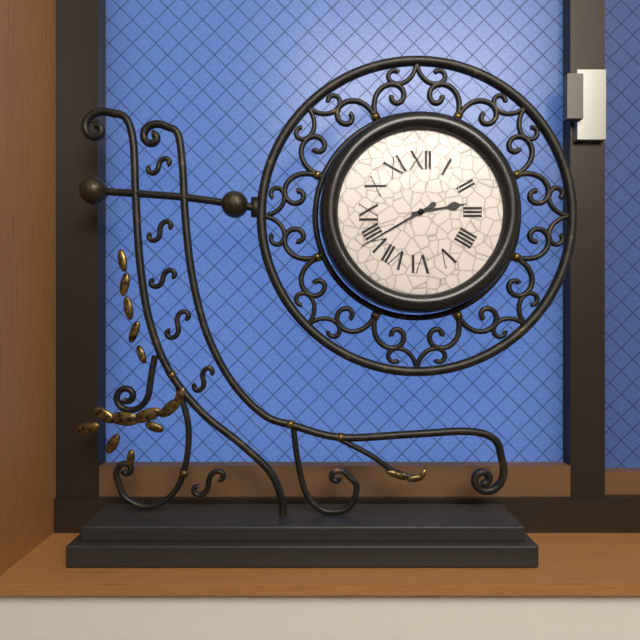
2:40
